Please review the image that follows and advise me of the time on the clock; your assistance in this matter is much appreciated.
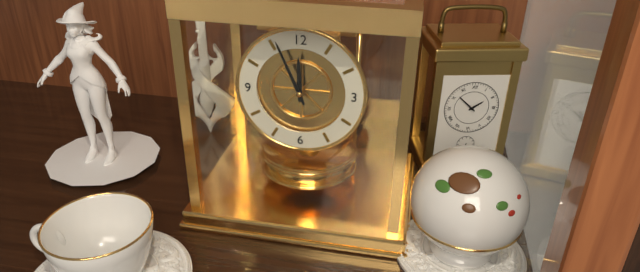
11:56
